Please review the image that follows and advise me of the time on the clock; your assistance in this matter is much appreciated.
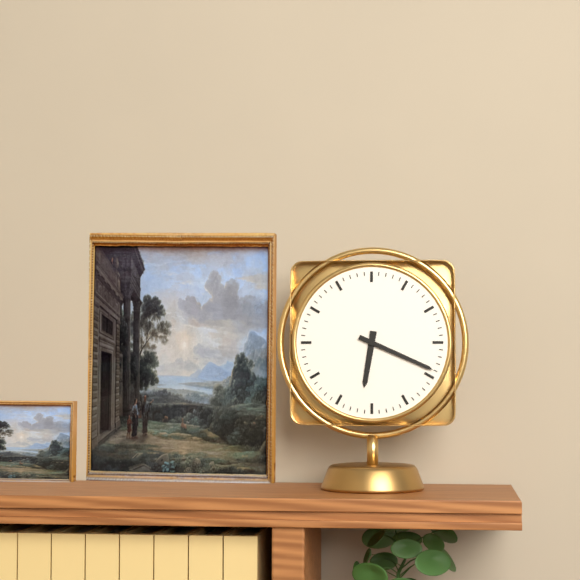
6:19
